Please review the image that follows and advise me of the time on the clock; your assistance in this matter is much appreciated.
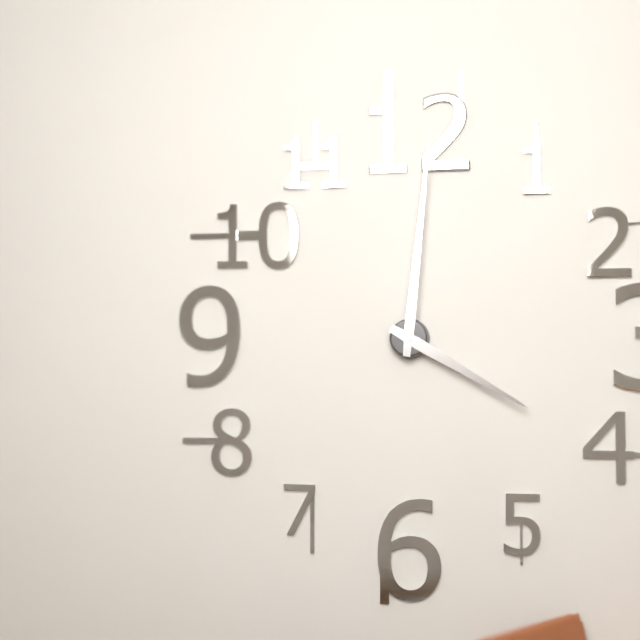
4:01
